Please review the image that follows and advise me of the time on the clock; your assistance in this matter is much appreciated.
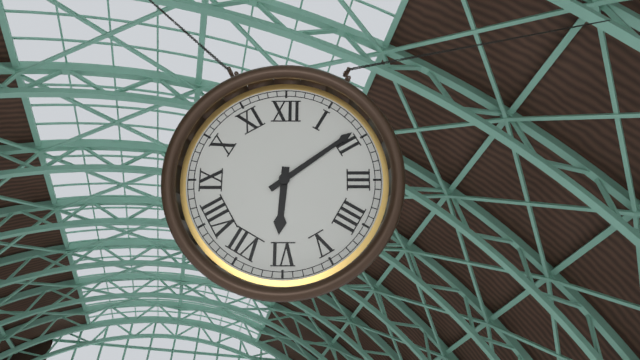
6:09
